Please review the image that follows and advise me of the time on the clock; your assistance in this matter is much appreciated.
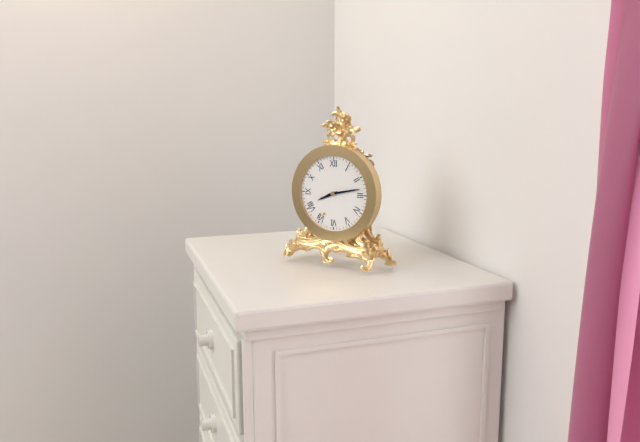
8:13
